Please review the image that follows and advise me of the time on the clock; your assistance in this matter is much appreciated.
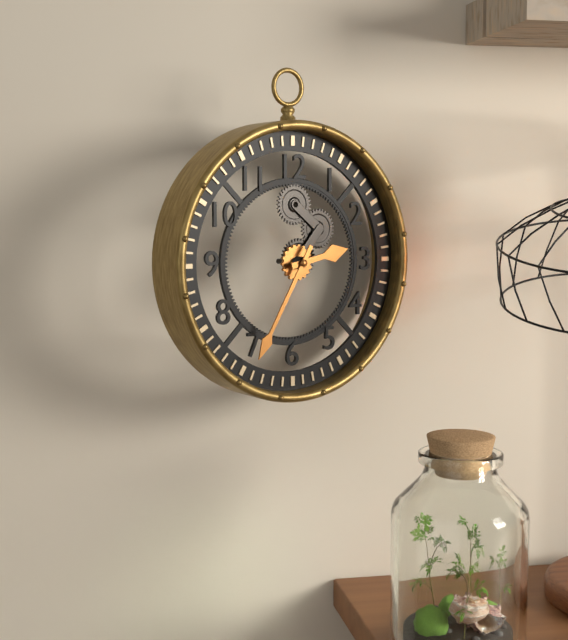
2:35
